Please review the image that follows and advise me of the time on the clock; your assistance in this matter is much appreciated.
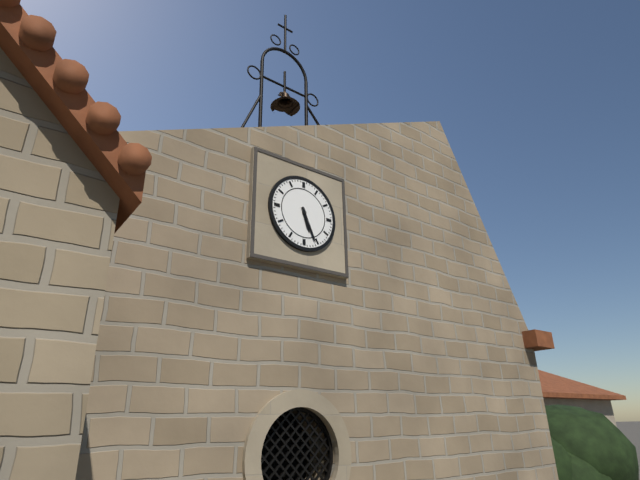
5:26
